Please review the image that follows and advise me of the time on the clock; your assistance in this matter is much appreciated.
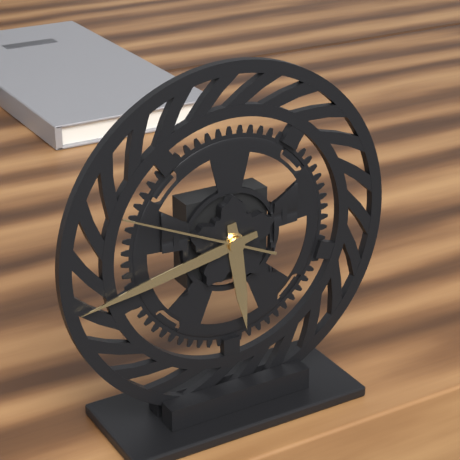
5:43:49
